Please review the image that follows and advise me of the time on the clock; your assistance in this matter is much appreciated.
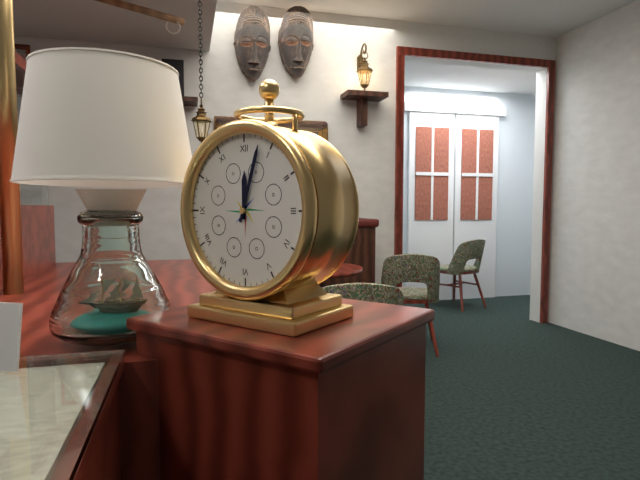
12:03
